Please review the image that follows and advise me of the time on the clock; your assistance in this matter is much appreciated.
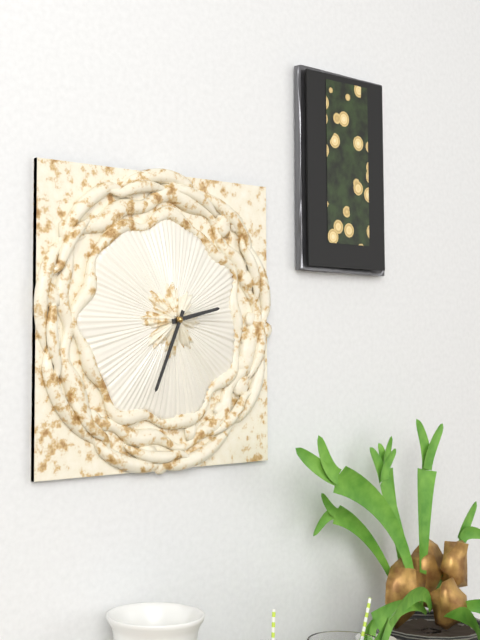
2:34
